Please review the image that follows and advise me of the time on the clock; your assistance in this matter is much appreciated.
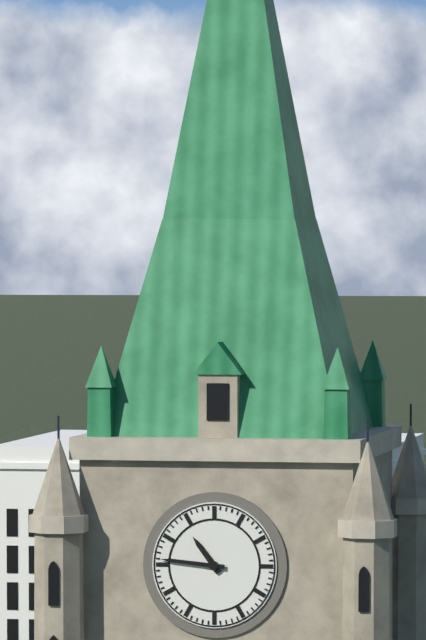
10:46
